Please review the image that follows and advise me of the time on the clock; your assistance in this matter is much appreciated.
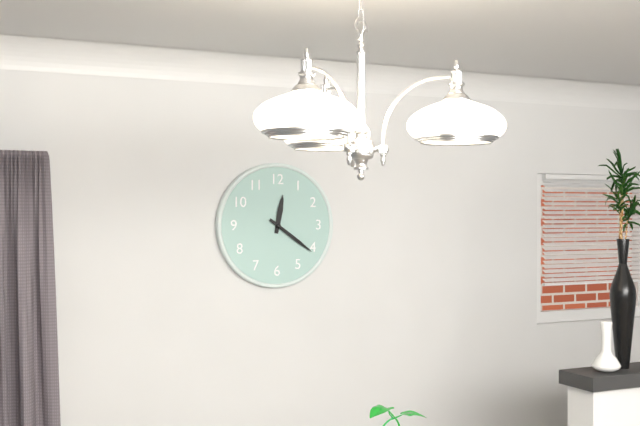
12:21
